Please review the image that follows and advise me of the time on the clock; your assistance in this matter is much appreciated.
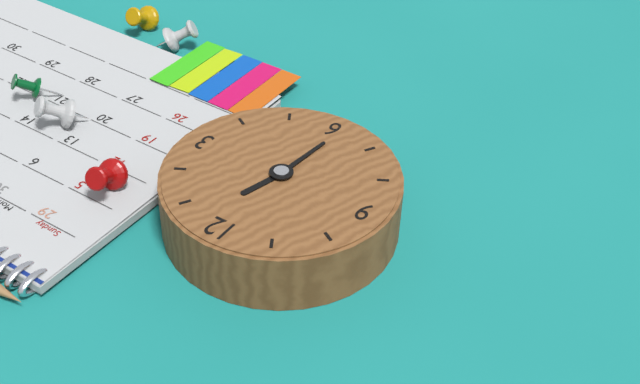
12:31
